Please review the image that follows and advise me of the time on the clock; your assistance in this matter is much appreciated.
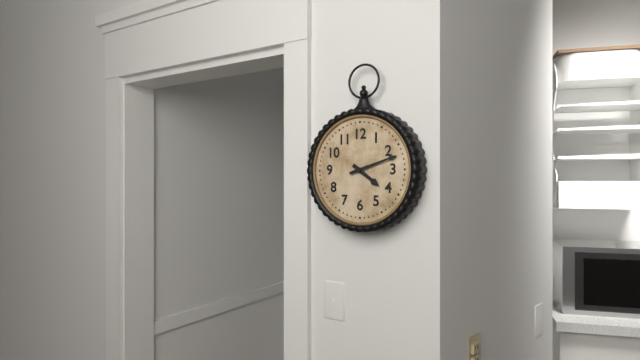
4:12
